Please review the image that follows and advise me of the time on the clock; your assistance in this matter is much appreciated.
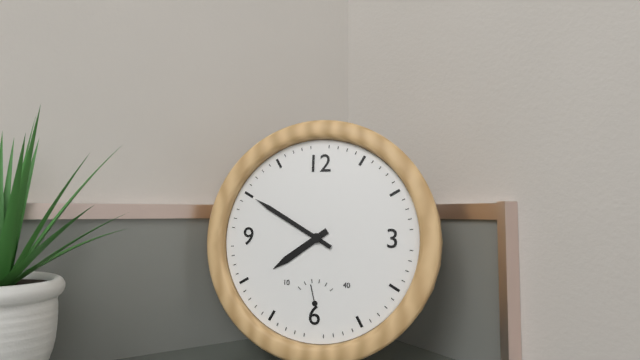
7:50
